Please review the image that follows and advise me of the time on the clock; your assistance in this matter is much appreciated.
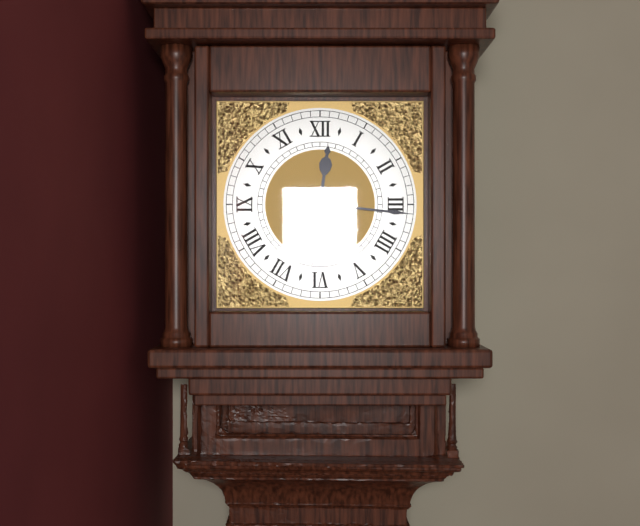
12:16
